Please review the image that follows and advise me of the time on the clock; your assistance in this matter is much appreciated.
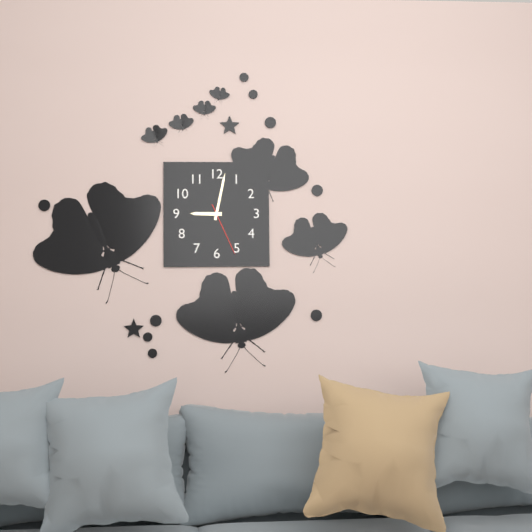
9:02:26
